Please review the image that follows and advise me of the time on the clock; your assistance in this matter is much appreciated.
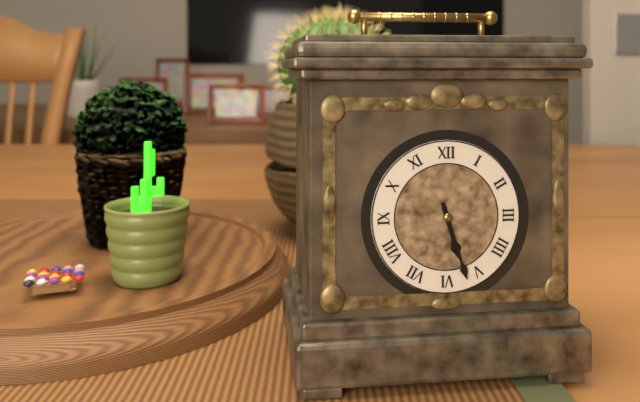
5:27
